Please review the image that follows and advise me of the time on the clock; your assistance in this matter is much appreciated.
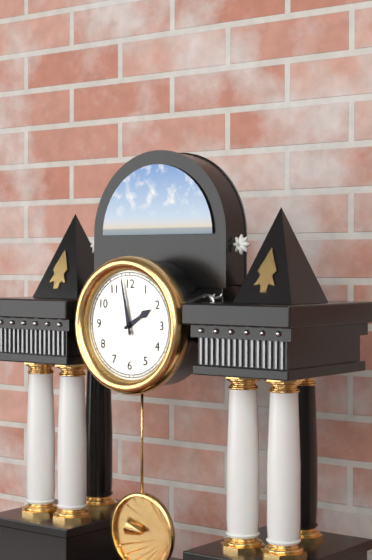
1:58
